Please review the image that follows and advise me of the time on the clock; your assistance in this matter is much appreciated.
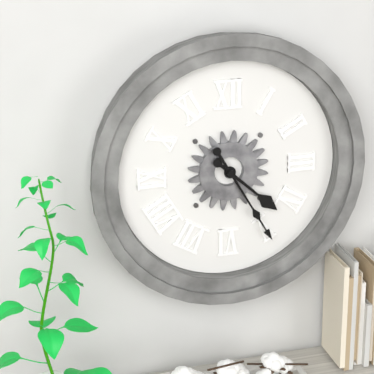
4:25
